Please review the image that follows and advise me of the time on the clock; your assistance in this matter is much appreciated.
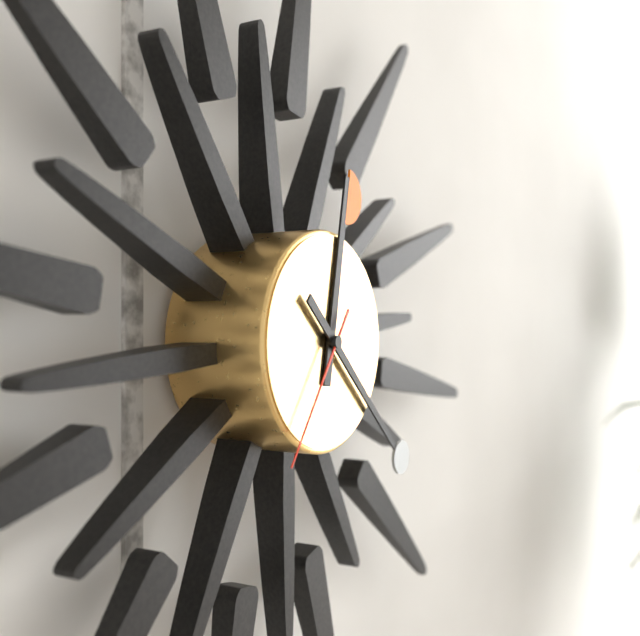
12:22:36
